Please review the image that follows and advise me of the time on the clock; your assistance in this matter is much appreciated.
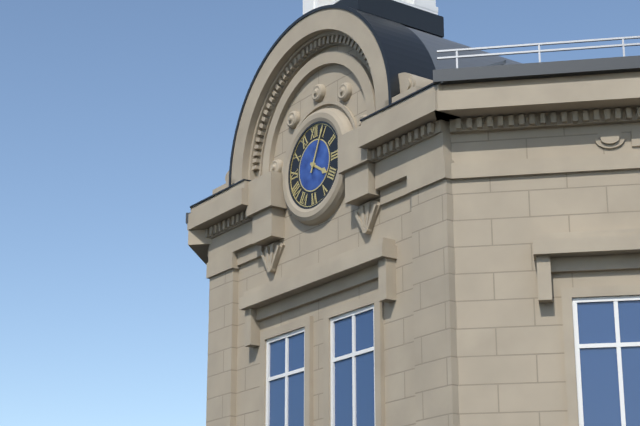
4:04
